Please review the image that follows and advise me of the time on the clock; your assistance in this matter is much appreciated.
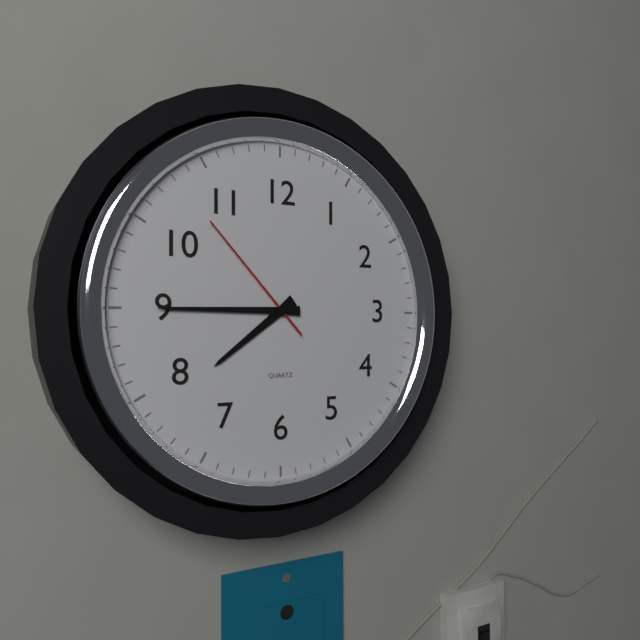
7:45:53
